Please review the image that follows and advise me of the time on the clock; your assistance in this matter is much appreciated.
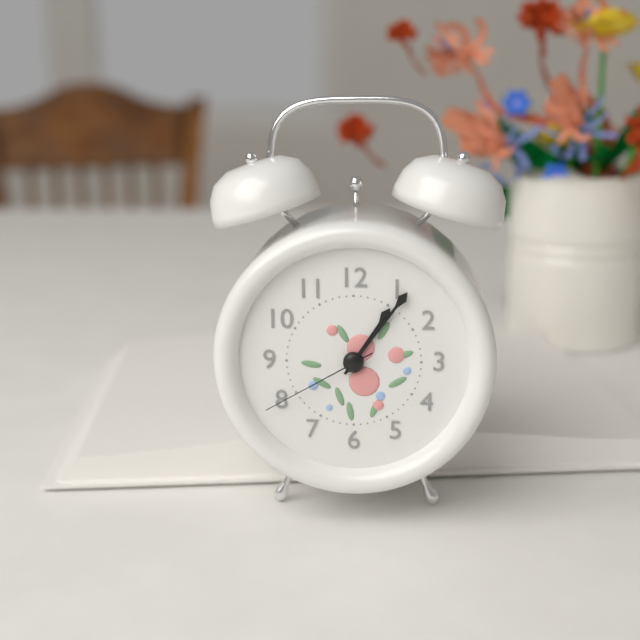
1:06:40
